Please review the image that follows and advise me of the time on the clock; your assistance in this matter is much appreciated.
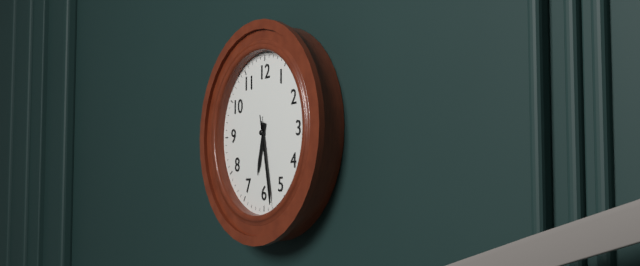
6:28:28
